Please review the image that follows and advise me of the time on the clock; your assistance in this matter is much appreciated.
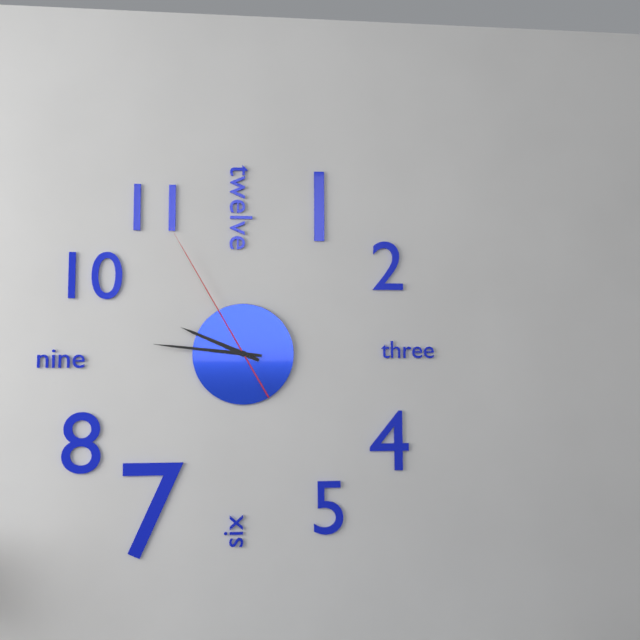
9:46:55
